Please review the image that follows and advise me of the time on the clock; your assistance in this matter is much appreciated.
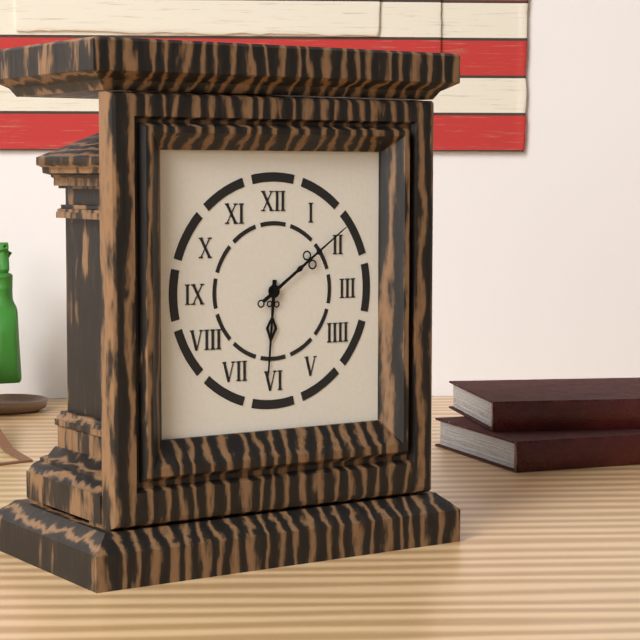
6:09
